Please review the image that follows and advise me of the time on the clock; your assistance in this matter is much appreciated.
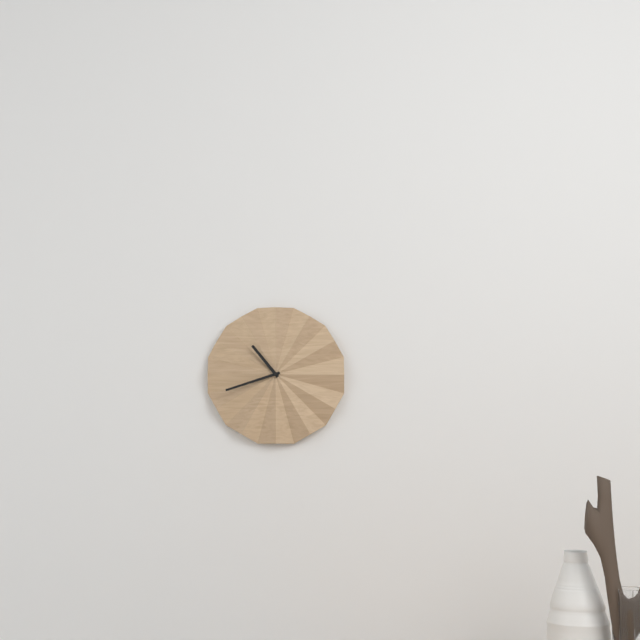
10:42
